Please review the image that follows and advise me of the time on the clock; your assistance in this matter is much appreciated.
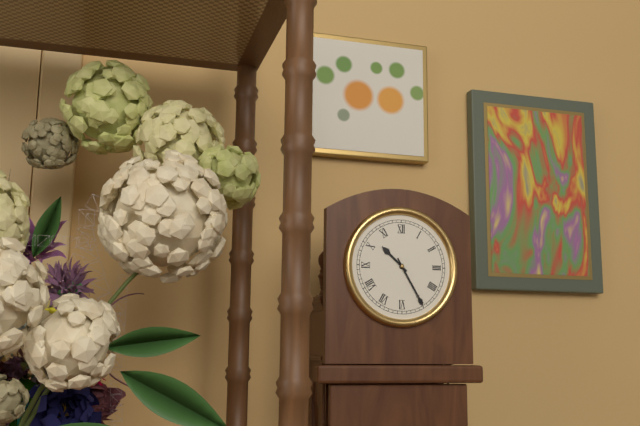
10:25
